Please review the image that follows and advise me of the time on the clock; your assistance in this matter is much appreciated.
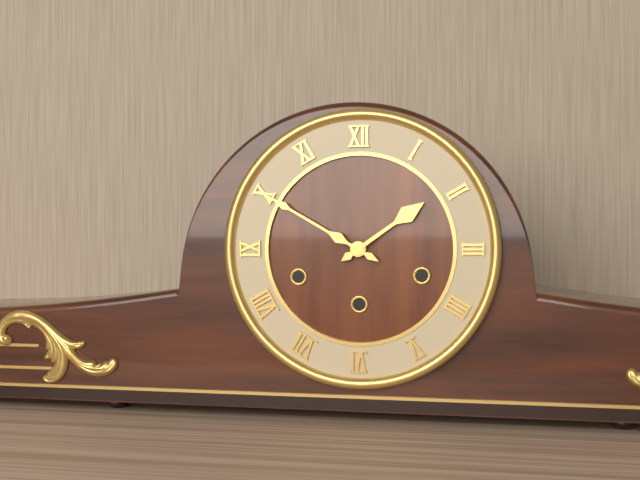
1:50
